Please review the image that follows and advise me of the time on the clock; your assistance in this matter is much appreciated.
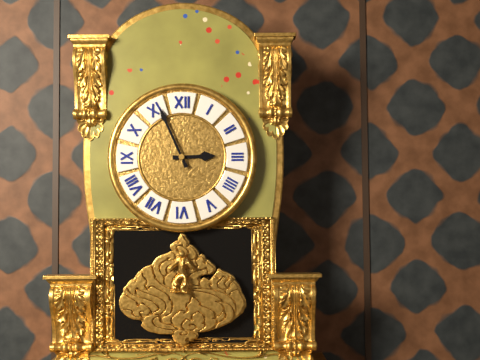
2:56
